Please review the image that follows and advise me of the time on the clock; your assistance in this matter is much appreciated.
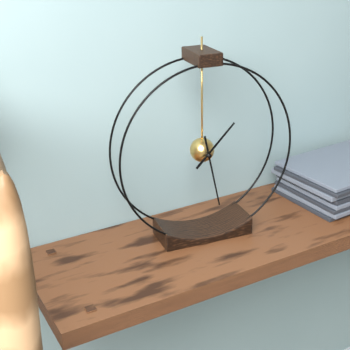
1:28
